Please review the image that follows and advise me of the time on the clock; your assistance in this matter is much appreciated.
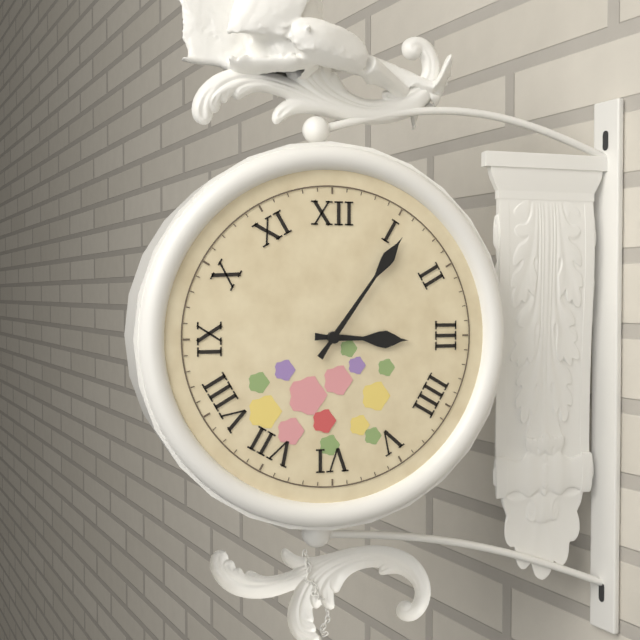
3:06
